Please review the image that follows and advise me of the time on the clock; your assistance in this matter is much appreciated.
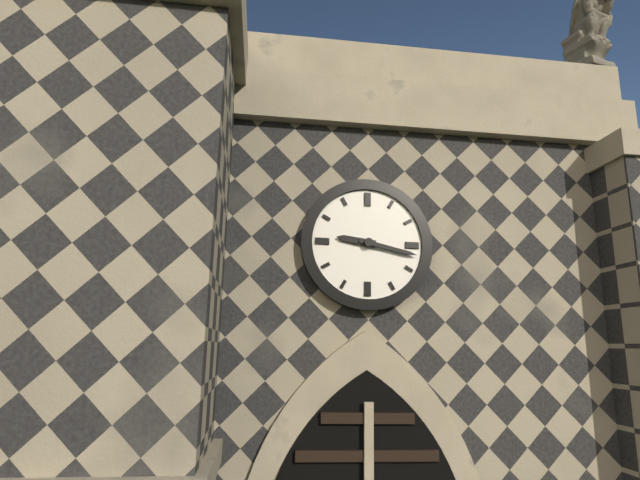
9:17
